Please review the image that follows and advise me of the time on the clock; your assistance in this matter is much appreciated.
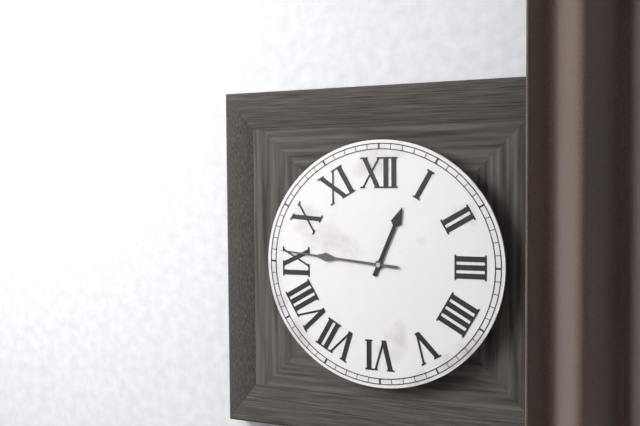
12:46
